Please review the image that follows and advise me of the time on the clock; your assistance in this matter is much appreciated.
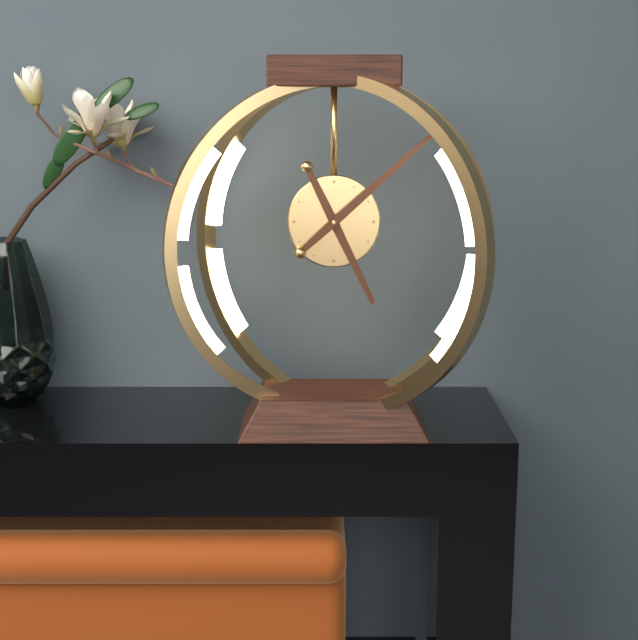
5:08
